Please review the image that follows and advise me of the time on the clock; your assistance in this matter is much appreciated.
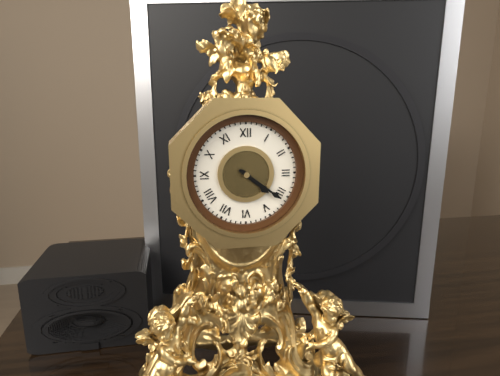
4:21
